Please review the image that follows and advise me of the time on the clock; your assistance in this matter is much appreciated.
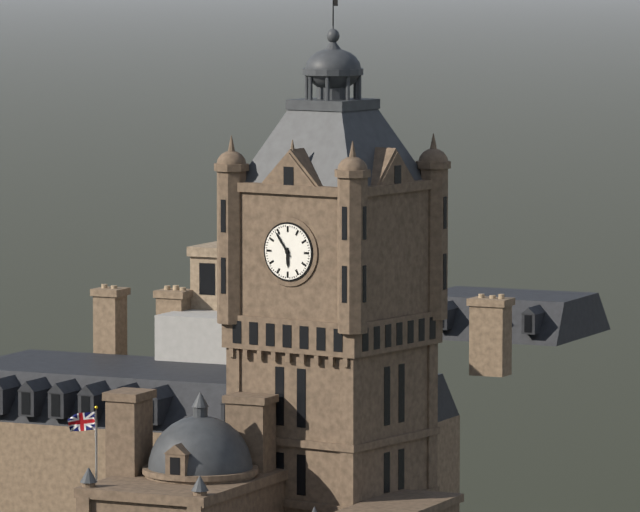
5:54
